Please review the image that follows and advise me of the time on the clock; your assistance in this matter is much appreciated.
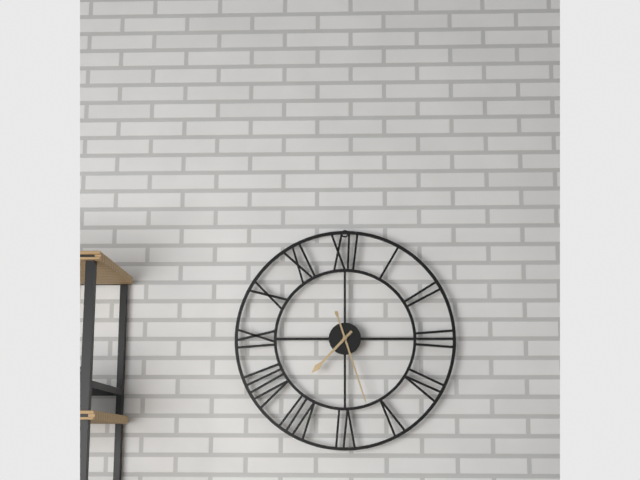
7:27
